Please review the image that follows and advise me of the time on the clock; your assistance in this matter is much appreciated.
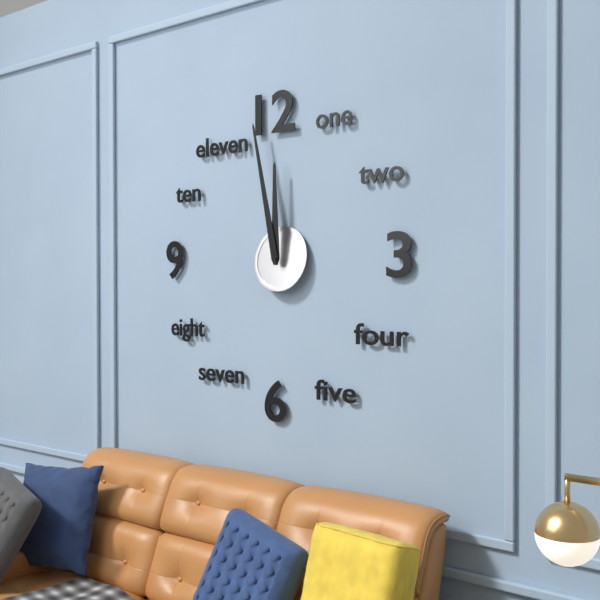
11:58
